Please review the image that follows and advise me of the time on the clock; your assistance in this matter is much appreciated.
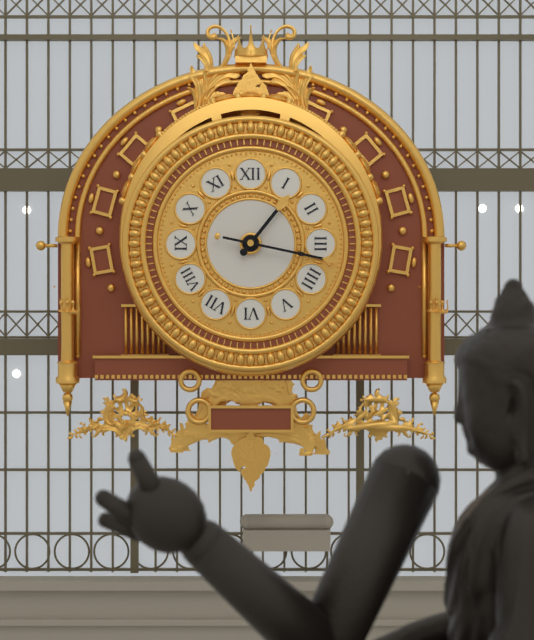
1:17
